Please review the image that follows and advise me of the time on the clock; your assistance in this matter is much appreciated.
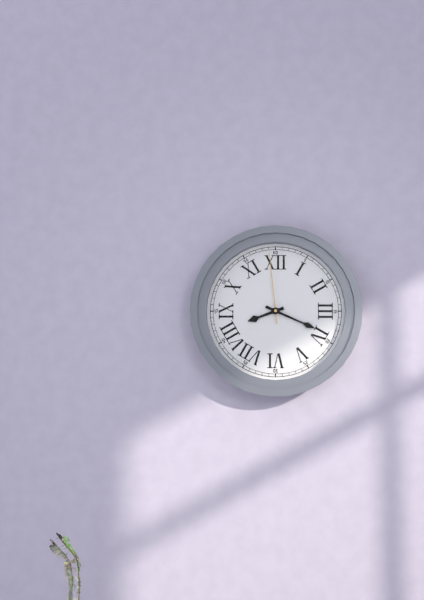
8:19:59
